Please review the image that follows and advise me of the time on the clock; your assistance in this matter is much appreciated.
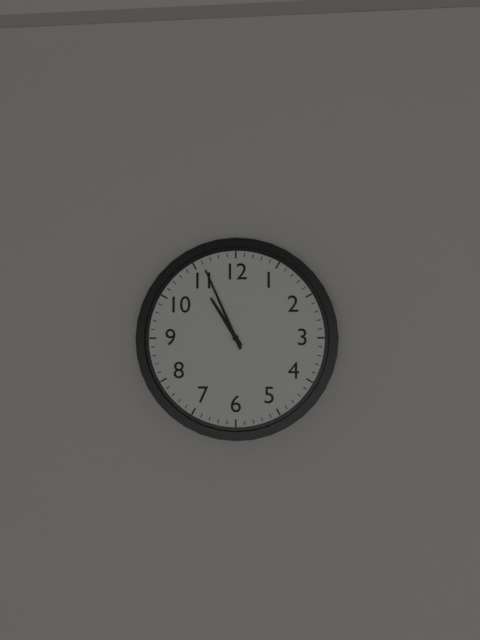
10:56
